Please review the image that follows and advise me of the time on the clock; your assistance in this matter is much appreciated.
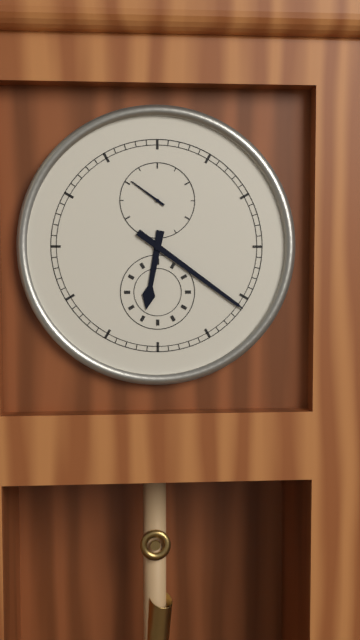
6:21
